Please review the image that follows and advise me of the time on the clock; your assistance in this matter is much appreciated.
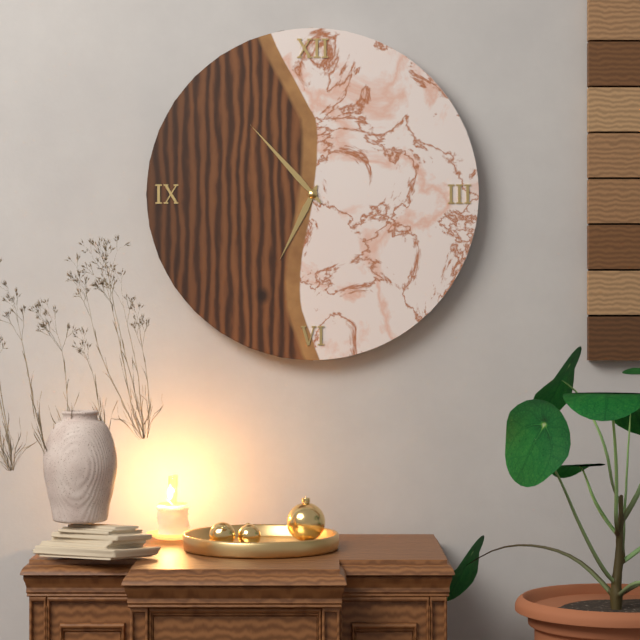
6:53
